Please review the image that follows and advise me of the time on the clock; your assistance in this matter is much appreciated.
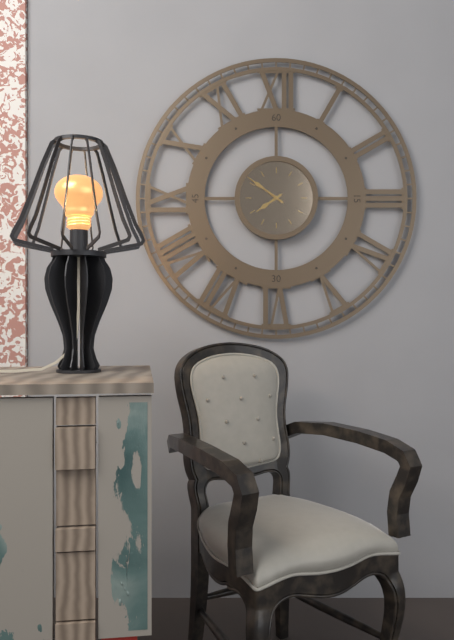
7:51
